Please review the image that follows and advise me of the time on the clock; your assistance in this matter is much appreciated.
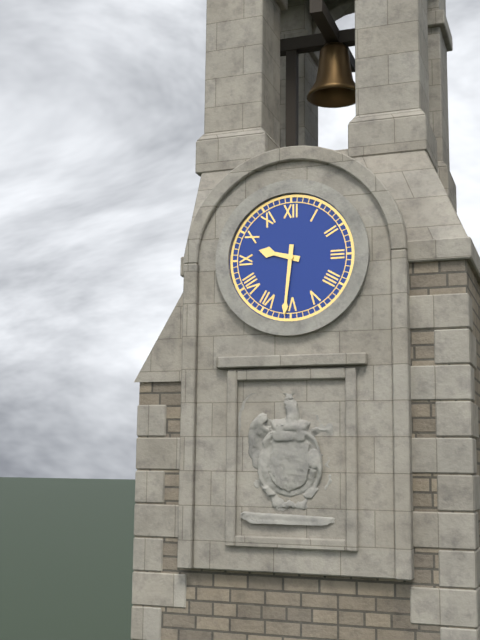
9:31
